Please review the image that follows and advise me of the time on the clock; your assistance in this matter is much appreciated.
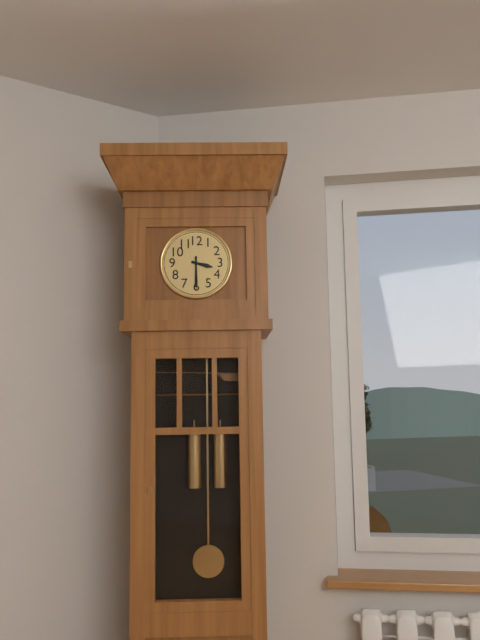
3:30
